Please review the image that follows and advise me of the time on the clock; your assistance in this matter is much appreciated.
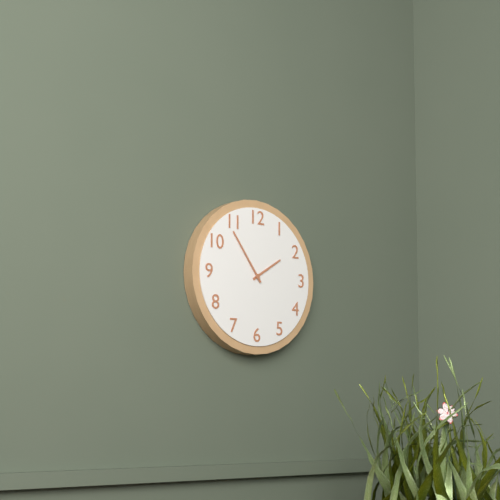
1:54
